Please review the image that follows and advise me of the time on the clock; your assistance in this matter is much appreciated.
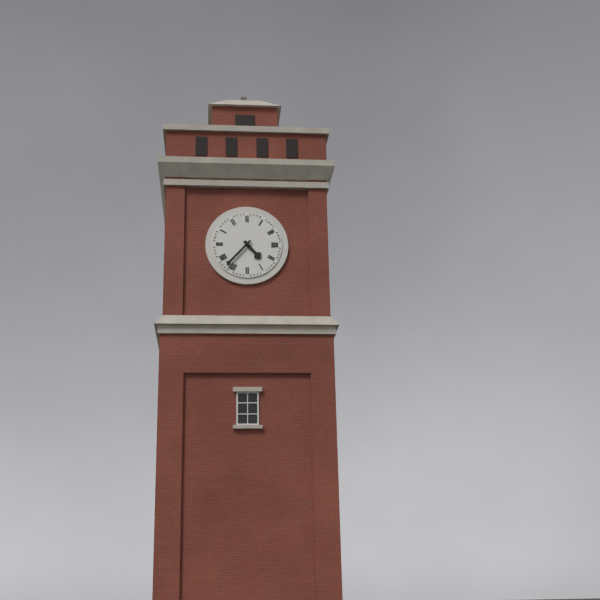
4:37
